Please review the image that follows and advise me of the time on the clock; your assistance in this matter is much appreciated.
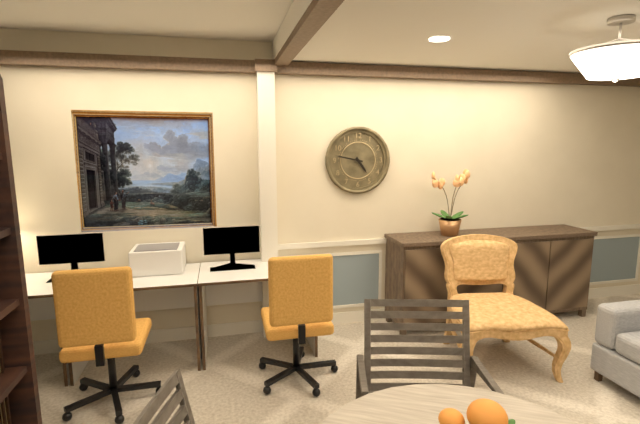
4:47
